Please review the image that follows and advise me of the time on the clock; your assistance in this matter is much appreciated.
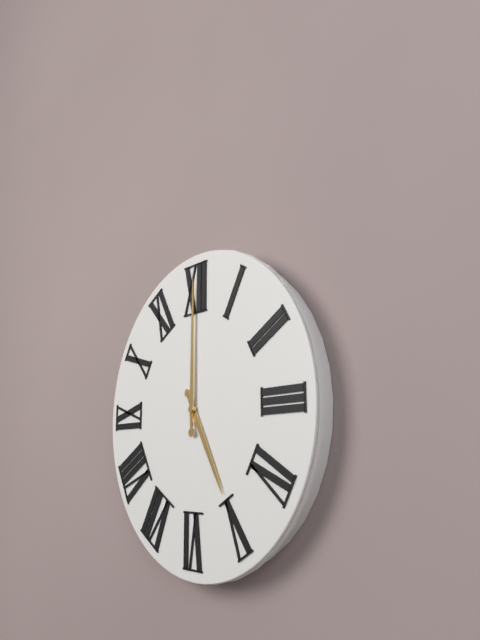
5:00
